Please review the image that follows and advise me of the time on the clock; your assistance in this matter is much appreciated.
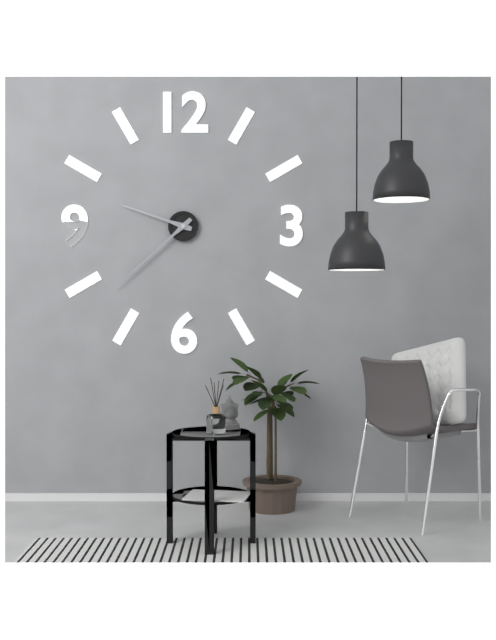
9:38
